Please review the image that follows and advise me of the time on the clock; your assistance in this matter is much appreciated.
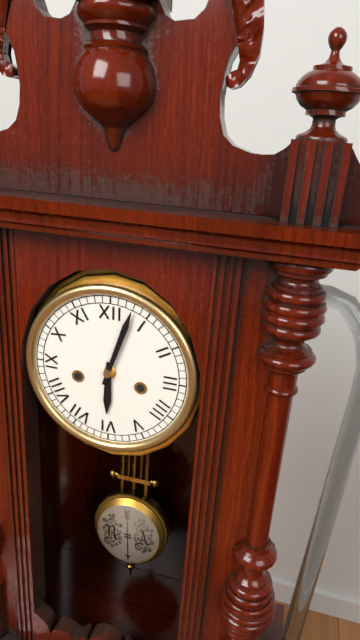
6:03
